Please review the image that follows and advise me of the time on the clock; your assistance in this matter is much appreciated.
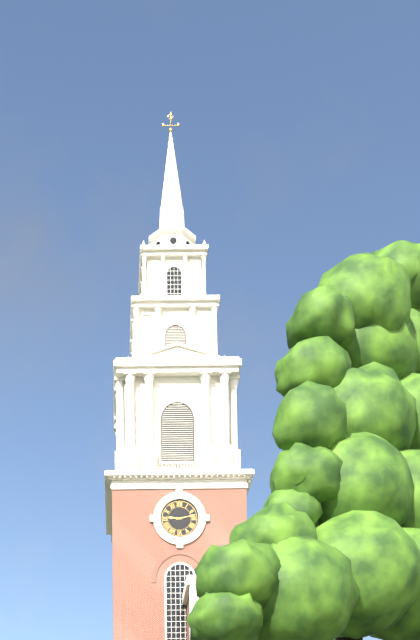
9:13
